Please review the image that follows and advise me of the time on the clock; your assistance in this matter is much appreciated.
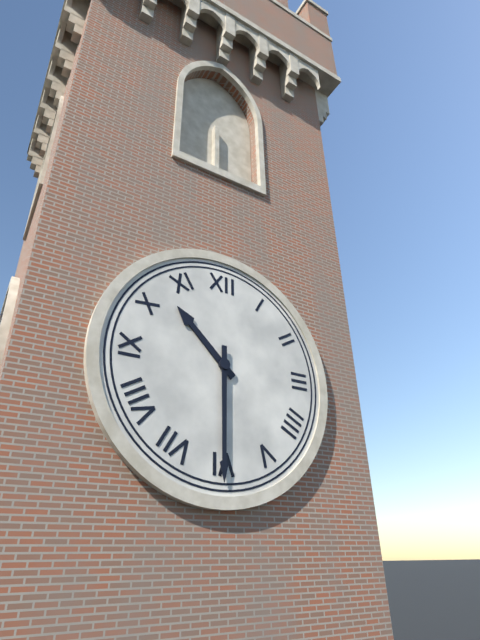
10:30
